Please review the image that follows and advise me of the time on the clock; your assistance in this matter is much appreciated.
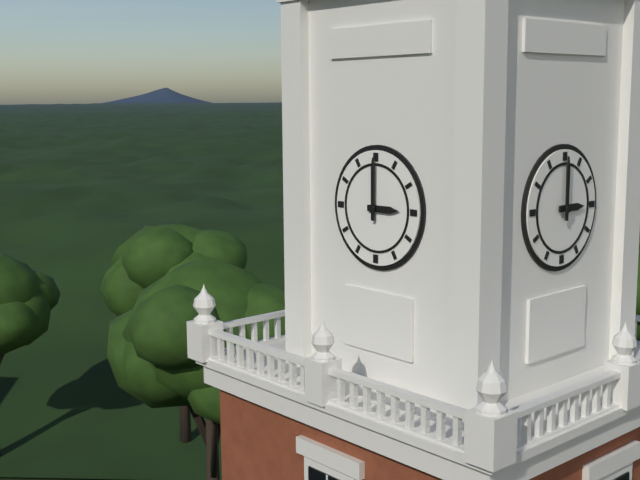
3:00
